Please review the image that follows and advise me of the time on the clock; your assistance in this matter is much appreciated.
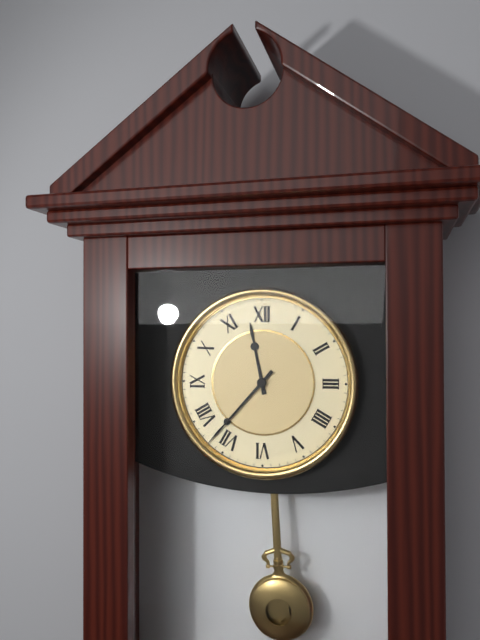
11:37
